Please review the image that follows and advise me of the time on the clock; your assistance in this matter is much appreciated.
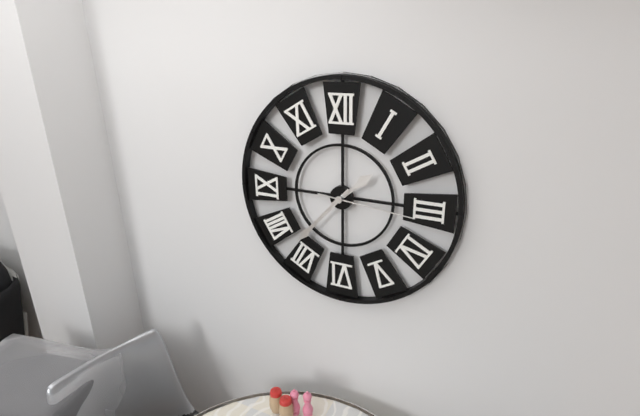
1:37:16
